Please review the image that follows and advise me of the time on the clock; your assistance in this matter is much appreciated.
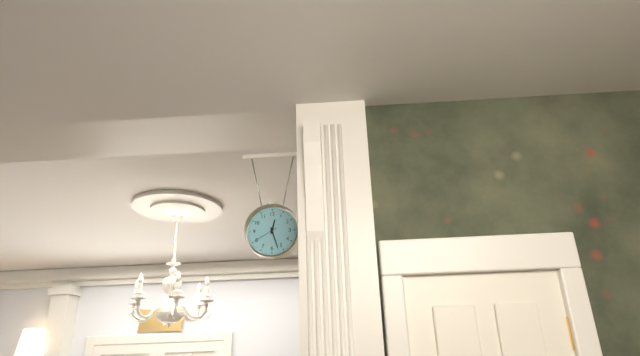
12:27
